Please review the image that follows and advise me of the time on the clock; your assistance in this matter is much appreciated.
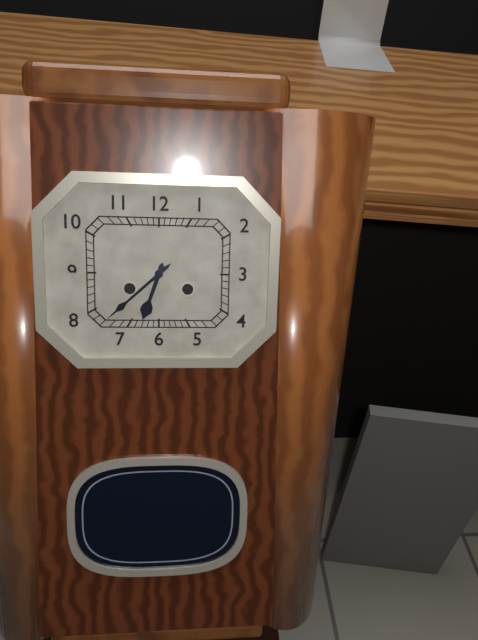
6:38
